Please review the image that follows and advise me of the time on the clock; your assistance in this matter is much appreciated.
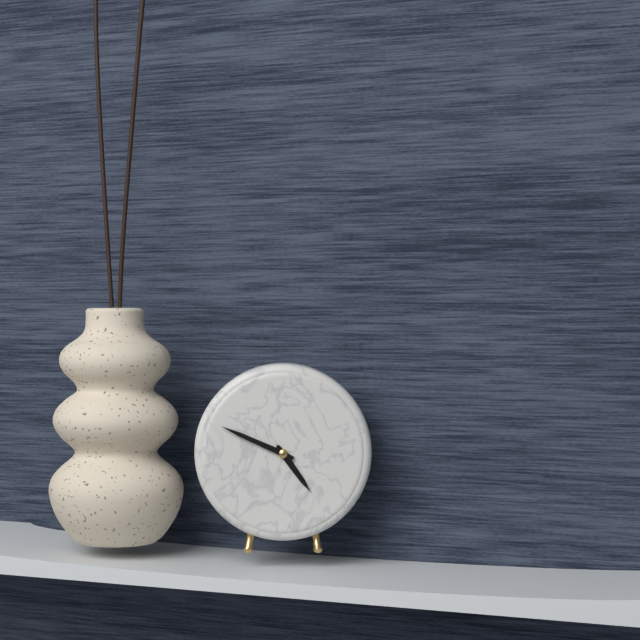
4:49
